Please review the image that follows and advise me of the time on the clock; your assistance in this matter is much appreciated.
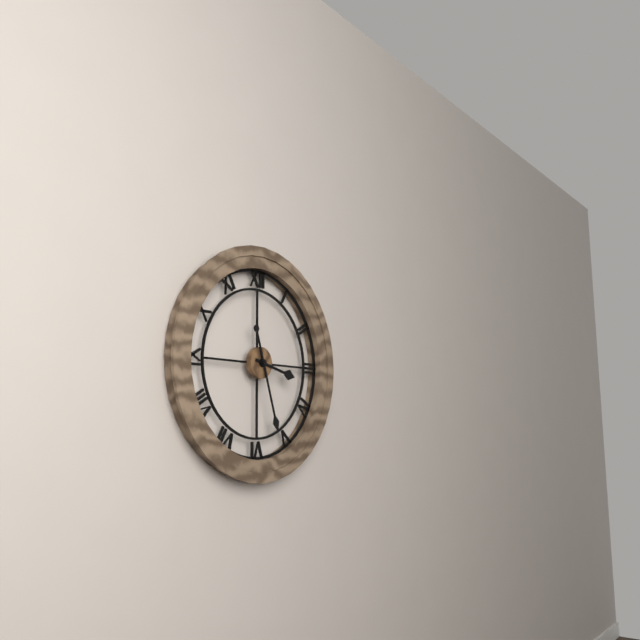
3:27
